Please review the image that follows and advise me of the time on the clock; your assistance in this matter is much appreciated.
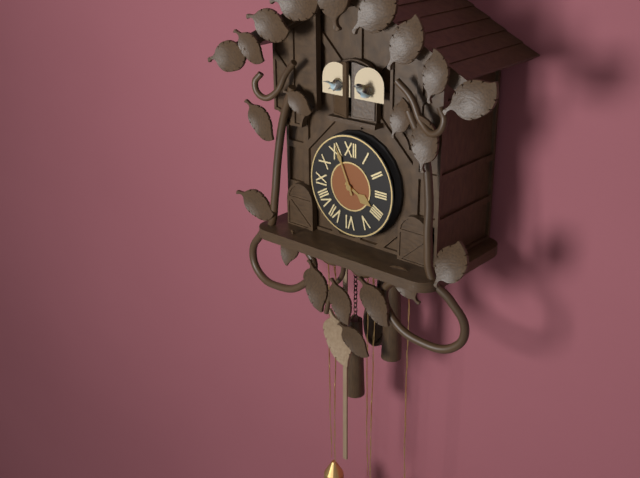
3:56
